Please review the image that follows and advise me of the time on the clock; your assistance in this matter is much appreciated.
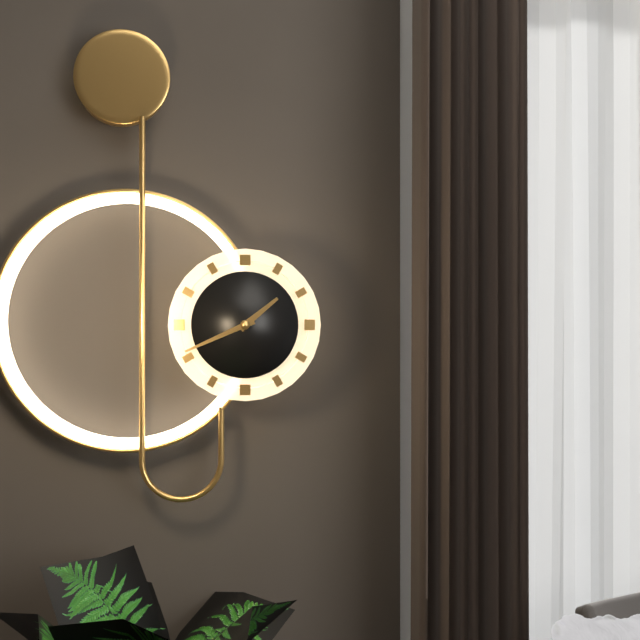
1:41
